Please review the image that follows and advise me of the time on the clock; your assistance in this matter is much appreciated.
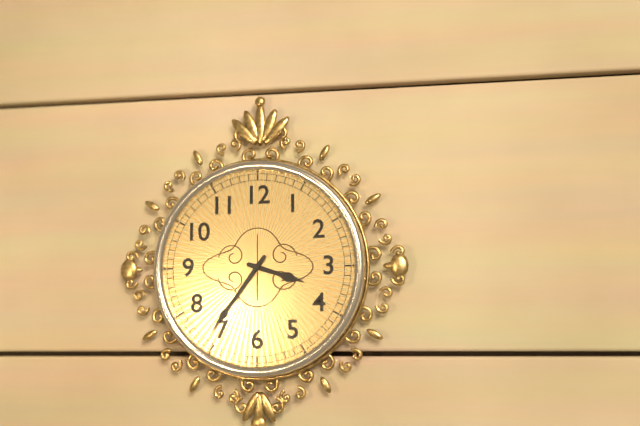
3:36
